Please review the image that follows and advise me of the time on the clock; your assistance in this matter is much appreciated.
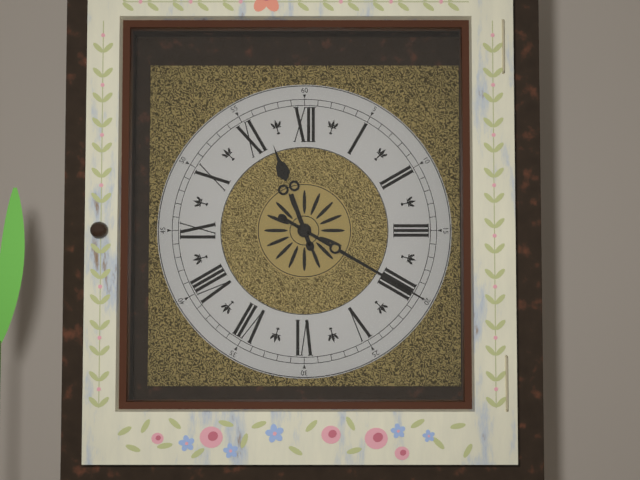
11:20
